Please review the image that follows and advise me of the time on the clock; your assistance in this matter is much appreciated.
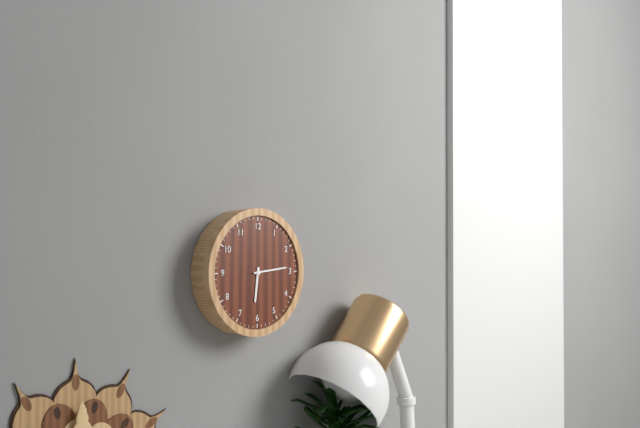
6:14
